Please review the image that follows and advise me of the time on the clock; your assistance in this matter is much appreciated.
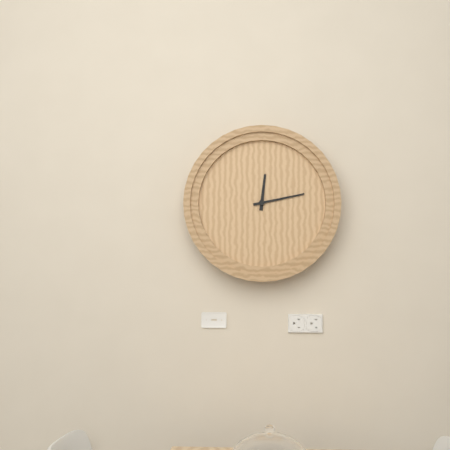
12:13
